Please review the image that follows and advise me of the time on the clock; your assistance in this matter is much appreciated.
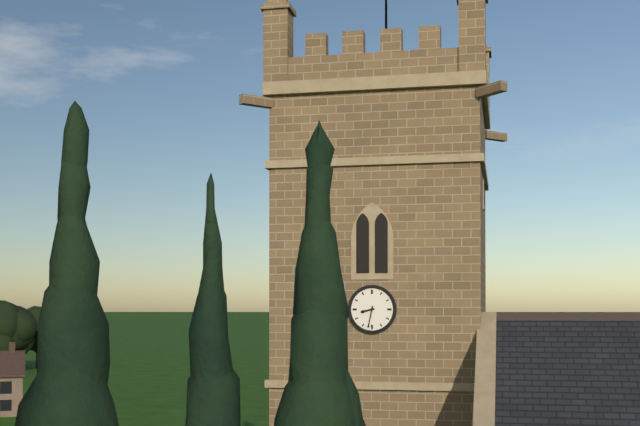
8:32
